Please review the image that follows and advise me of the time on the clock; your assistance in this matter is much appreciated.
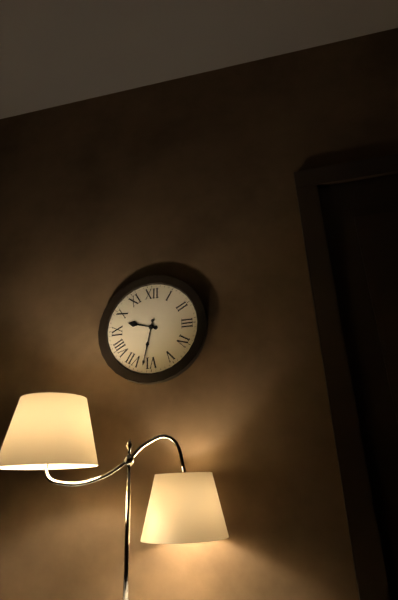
9:32
